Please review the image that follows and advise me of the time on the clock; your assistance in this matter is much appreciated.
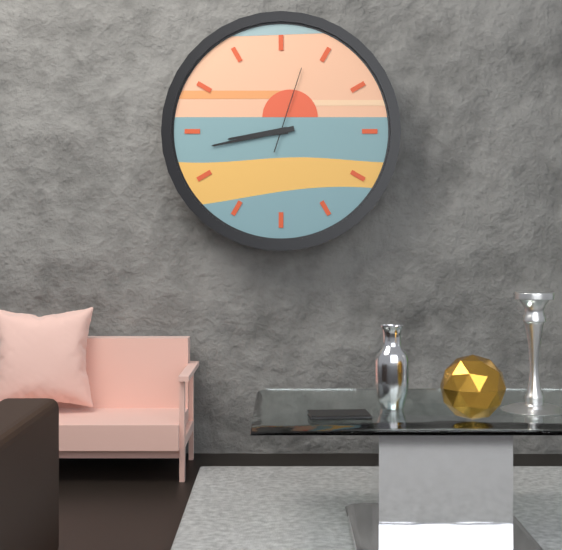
8:43:03
